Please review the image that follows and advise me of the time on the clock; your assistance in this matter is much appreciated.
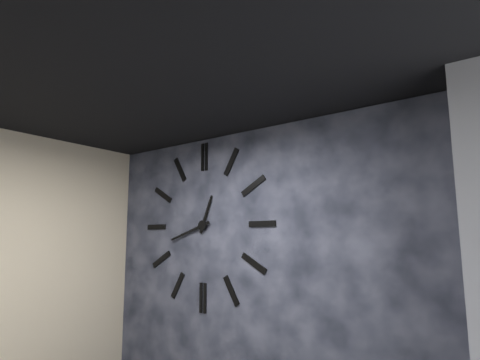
12:42
